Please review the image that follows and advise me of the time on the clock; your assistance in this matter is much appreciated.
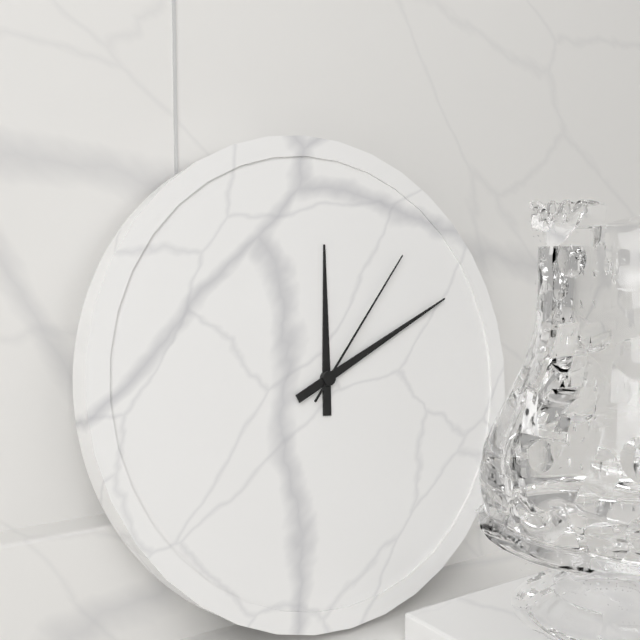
12:11:07
